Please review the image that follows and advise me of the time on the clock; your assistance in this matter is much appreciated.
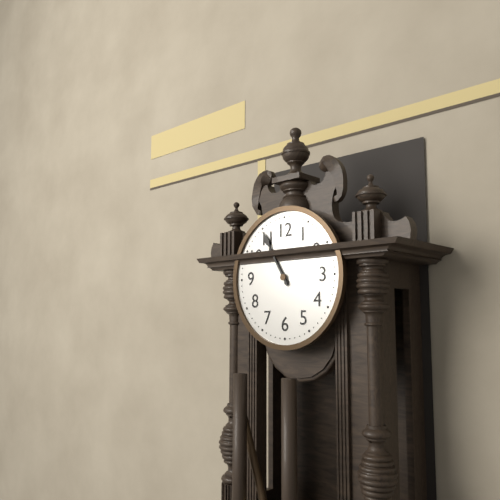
10:55
